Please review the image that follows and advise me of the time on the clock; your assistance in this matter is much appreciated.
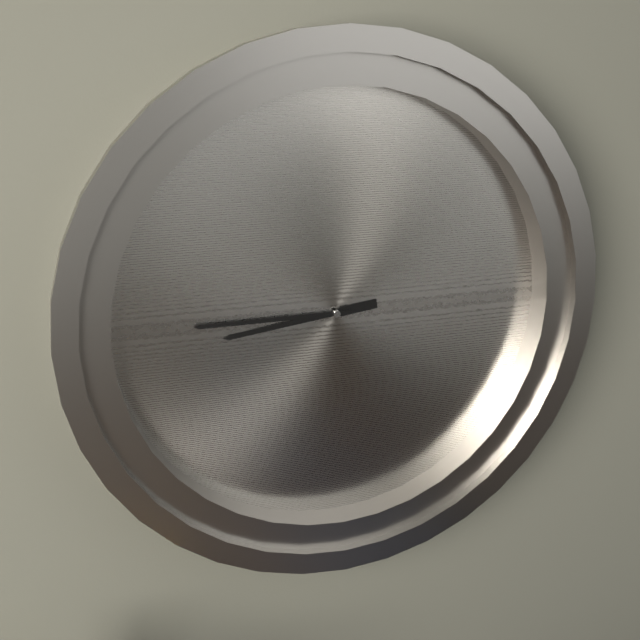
8:45
